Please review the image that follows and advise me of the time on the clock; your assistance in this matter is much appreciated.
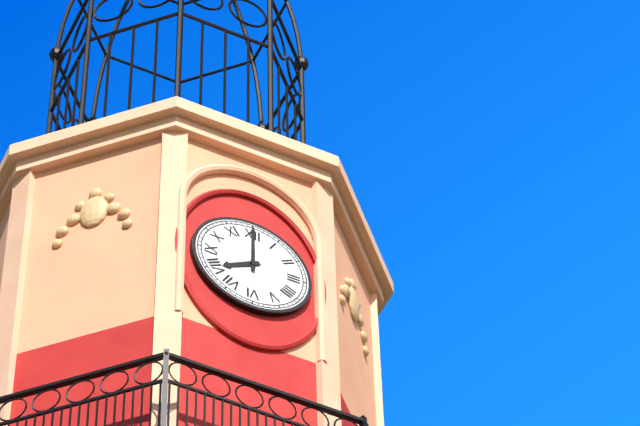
8:00
